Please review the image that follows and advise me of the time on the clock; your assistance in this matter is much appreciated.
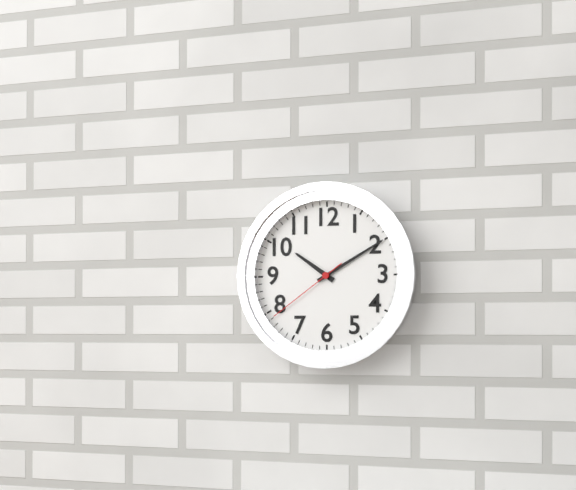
10:10:39
